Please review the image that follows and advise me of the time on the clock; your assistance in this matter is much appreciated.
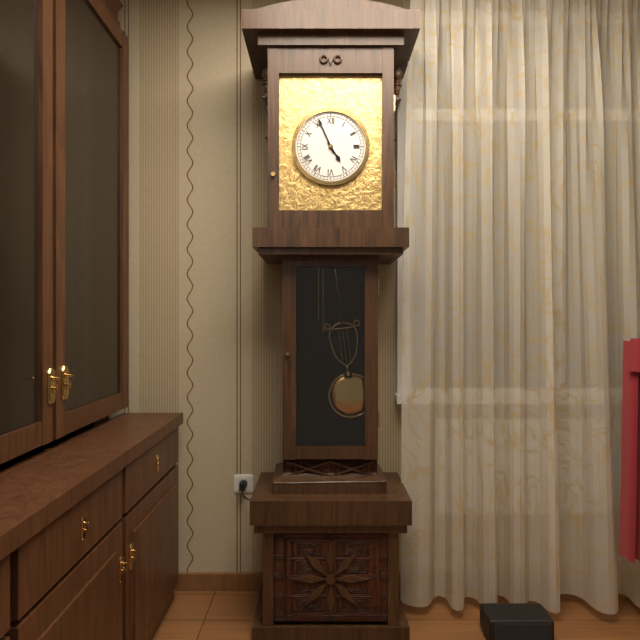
4:56
